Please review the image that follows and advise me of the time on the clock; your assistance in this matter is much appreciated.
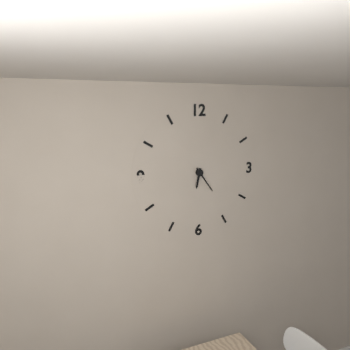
6:24
